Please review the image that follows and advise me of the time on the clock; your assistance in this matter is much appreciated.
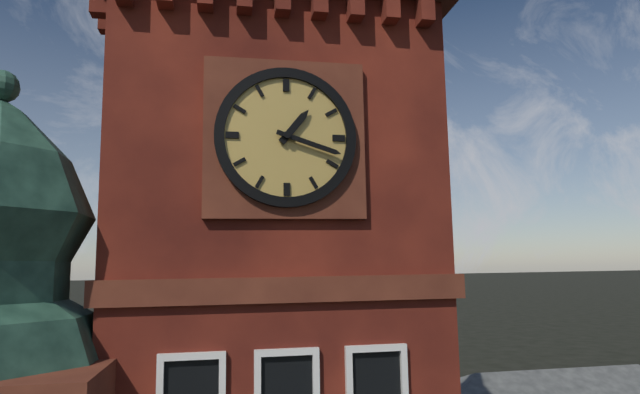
1:18
